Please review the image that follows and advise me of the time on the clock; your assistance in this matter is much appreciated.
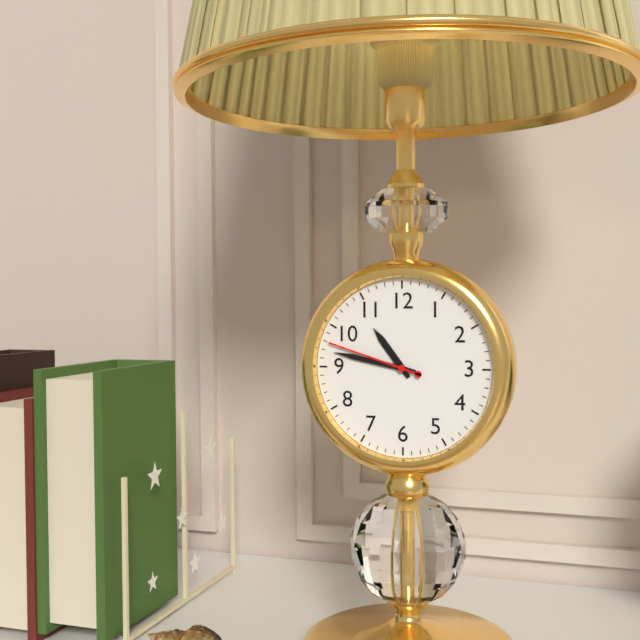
10:47:48
